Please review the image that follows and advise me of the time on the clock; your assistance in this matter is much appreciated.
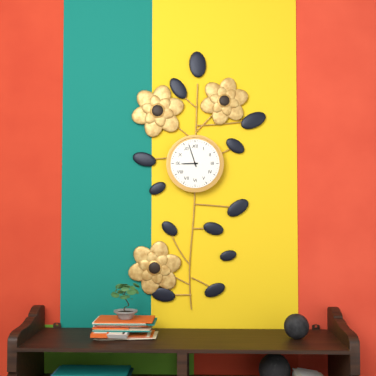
8:57
